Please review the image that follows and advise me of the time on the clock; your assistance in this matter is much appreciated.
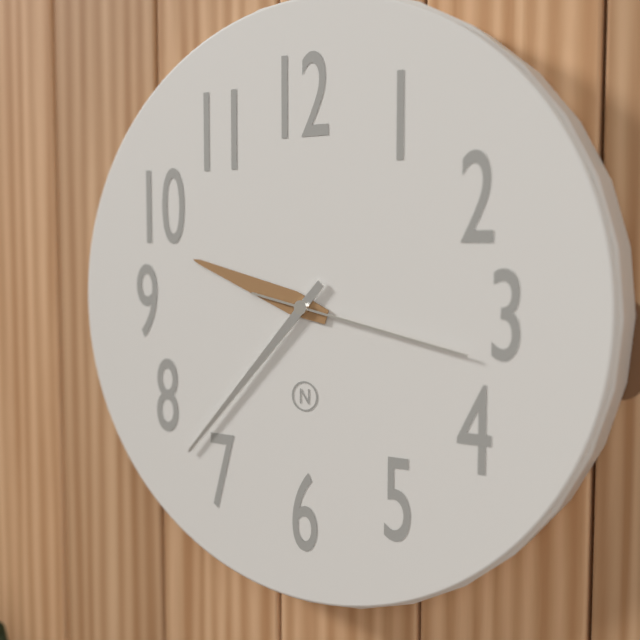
9:37:17
